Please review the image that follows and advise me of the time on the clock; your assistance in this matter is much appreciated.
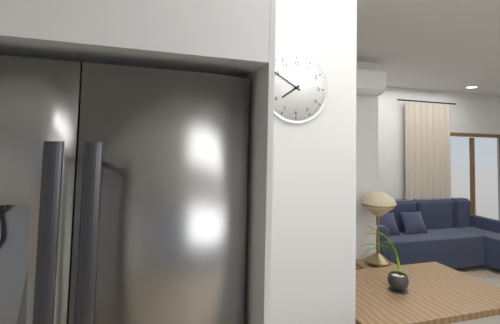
7:50
